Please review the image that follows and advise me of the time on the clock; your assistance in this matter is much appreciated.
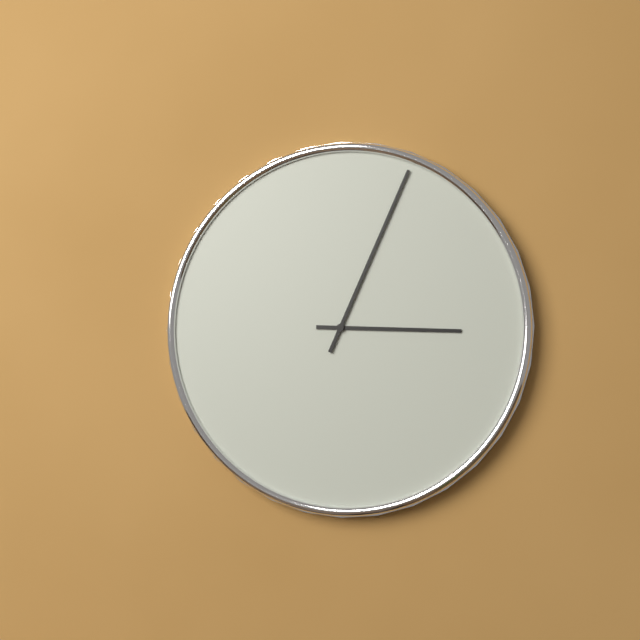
3:04
